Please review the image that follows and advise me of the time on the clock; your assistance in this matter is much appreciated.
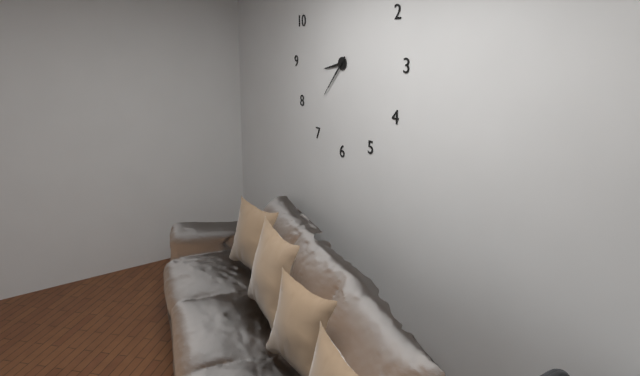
8:37
